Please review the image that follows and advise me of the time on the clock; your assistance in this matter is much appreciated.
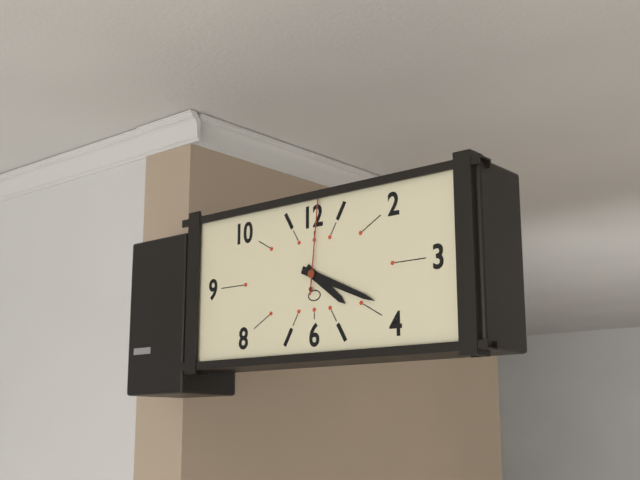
4:19:01
